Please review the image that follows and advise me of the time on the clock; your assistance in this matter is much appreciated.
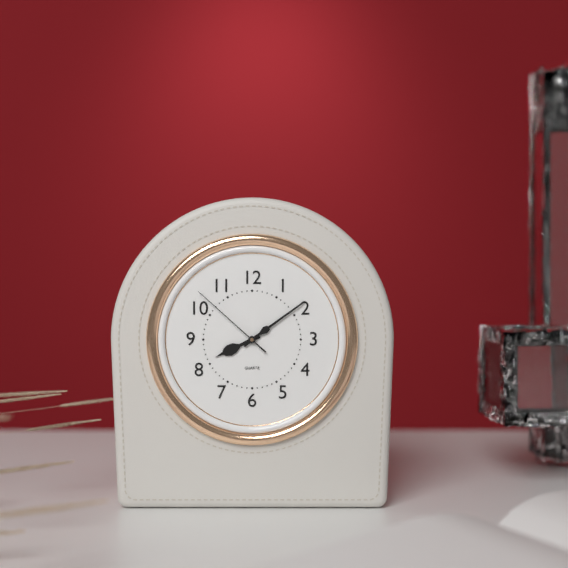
8:09:52
